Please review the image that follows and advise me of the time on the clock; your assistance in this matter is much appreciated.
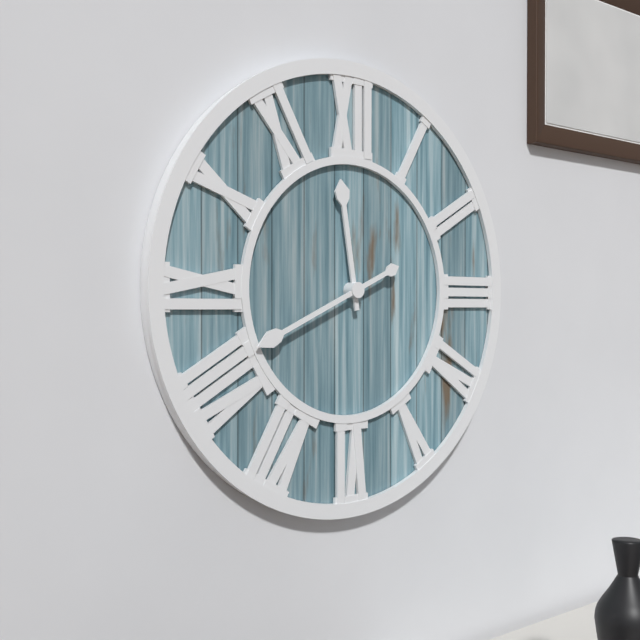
11:41
